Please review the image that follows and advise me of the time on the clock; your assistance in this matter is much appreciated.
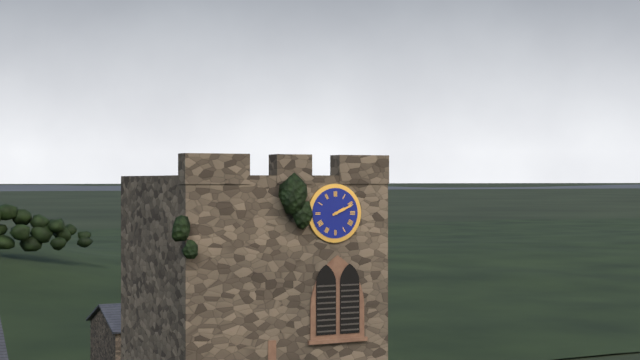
2:11
